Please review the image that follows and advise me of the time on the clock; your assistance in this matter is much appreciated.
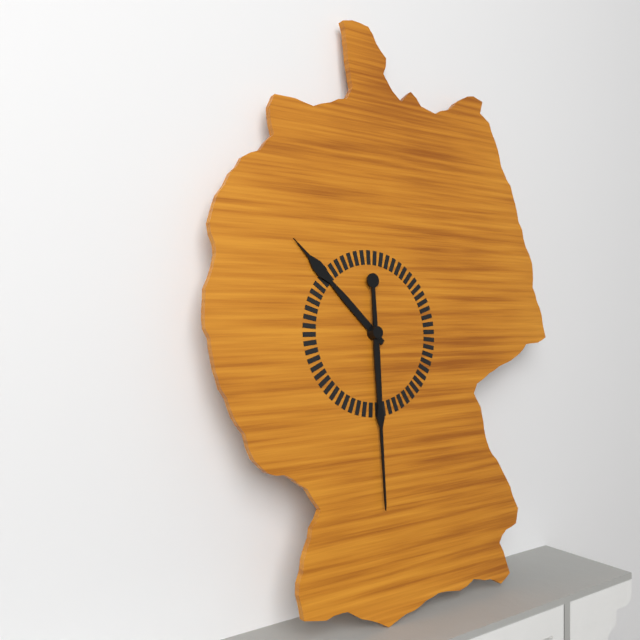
10:30
